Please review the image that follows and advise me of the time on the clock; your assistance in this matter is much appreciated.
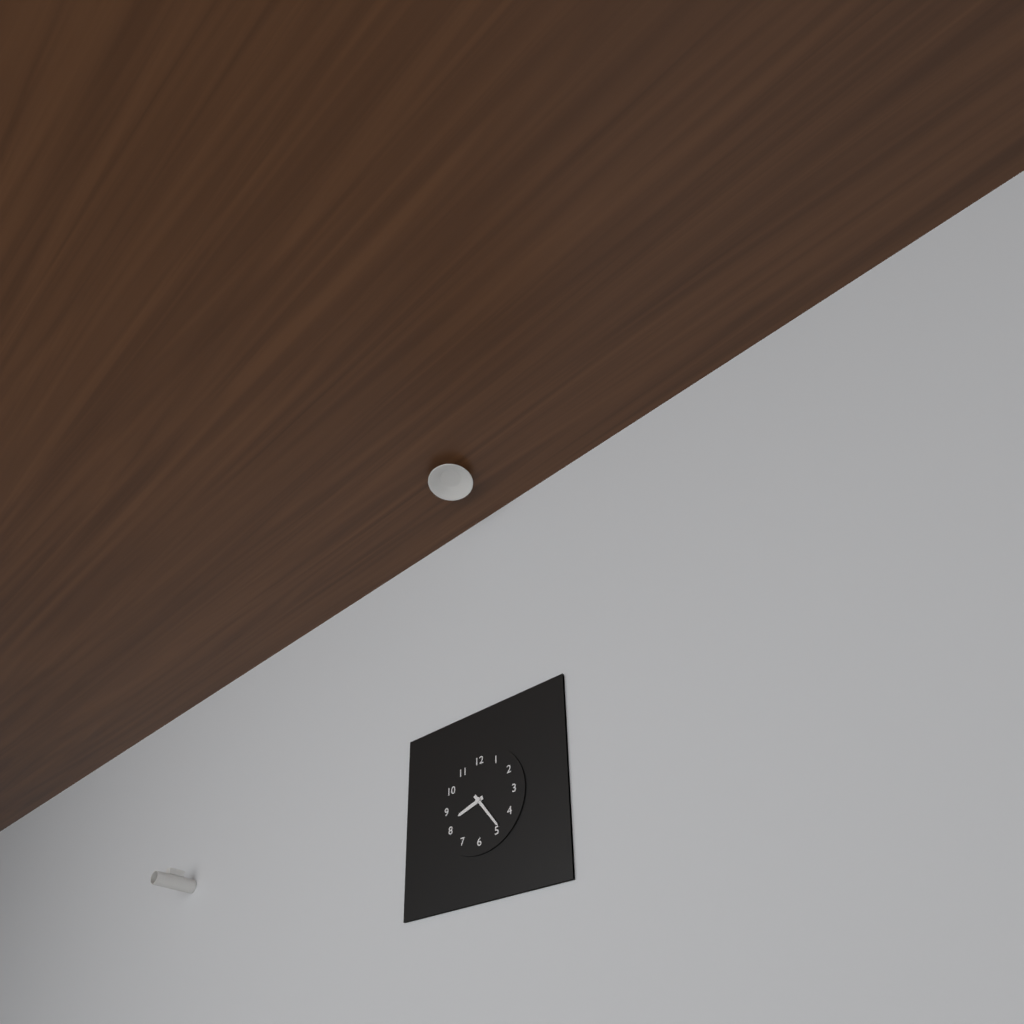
8:24
